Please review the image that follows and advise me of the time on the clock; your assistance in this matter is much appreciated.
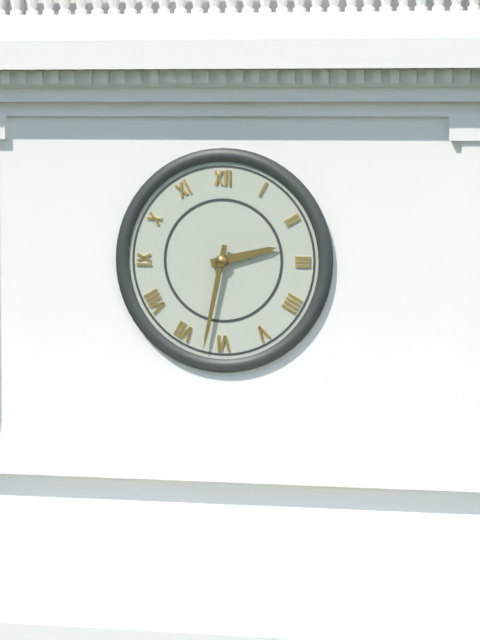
2:32
